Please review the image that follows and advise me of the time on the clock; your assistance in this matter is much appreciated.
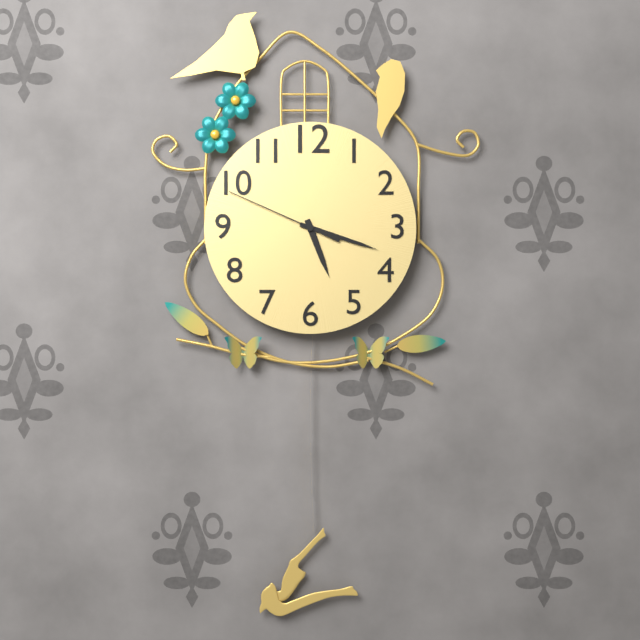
5:18:49
